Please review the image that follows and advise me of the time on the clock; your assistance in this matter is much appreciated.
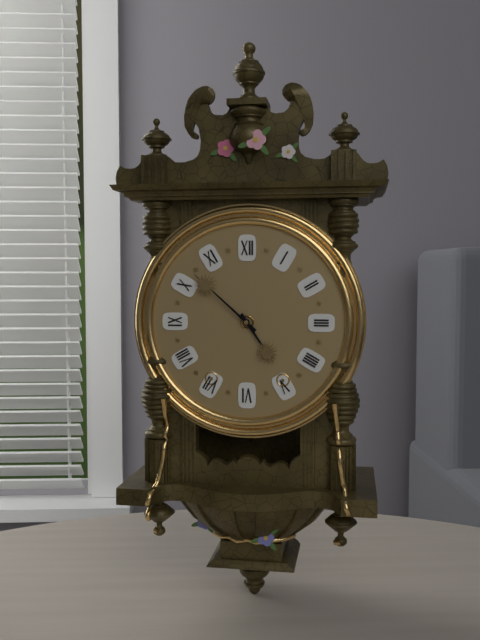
4:52
